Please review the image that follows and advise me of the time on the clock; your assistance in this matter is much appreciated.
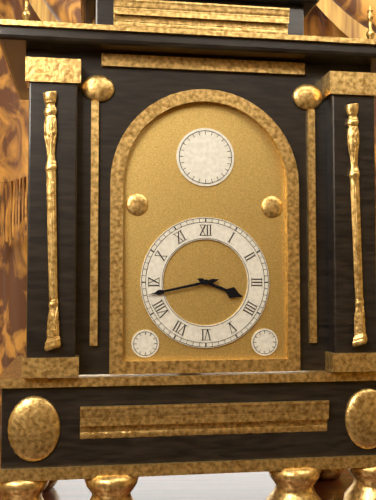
3:43
